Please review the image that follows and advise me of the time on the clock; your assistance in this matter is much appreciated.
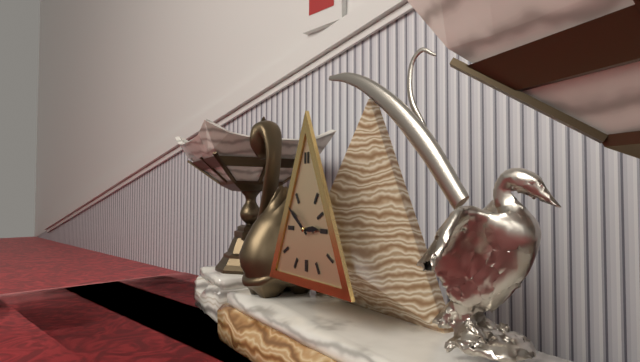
2:51
